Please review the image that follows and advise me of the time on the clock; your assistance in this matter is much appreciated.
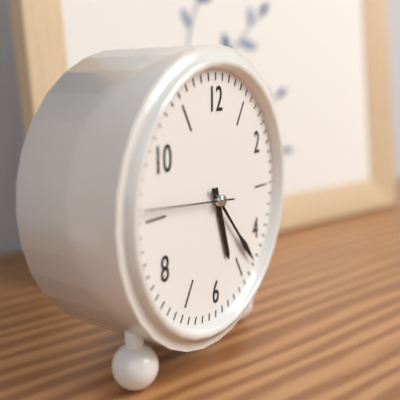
5:23:46
